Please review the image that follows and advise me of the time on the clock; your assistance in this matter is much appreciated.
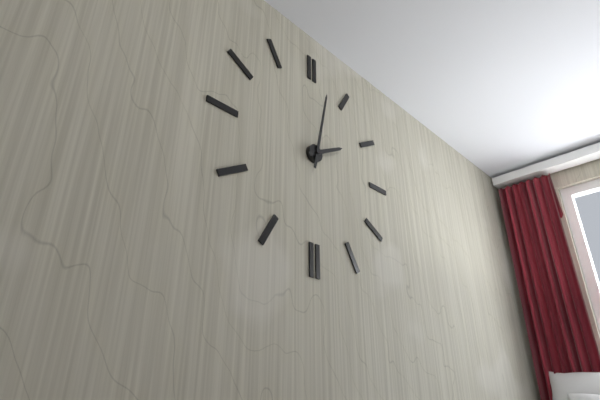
2:02
